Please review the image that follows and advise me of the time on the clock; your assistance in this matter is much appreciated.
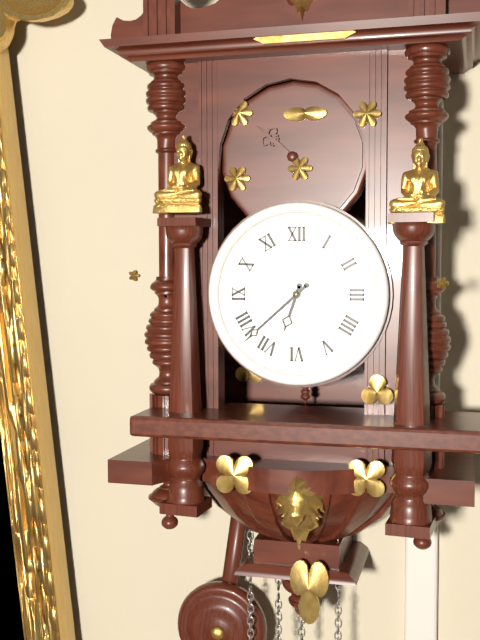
6:38
